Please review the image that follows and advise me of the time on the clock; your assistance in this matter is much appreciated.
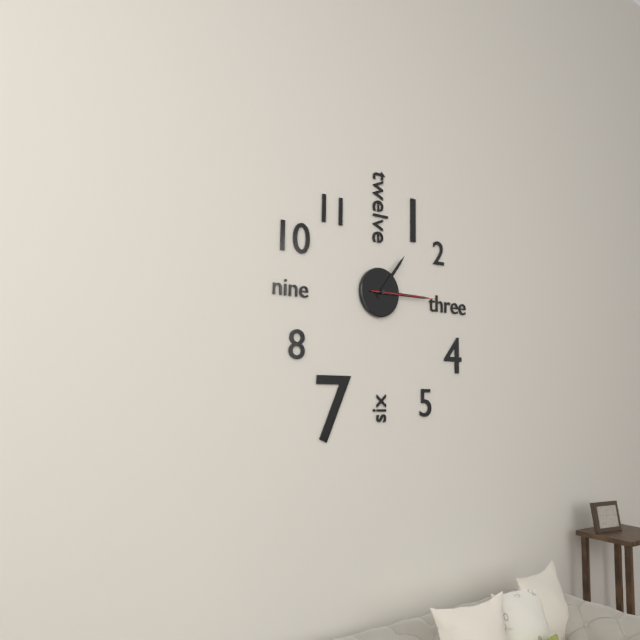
1:15:15
